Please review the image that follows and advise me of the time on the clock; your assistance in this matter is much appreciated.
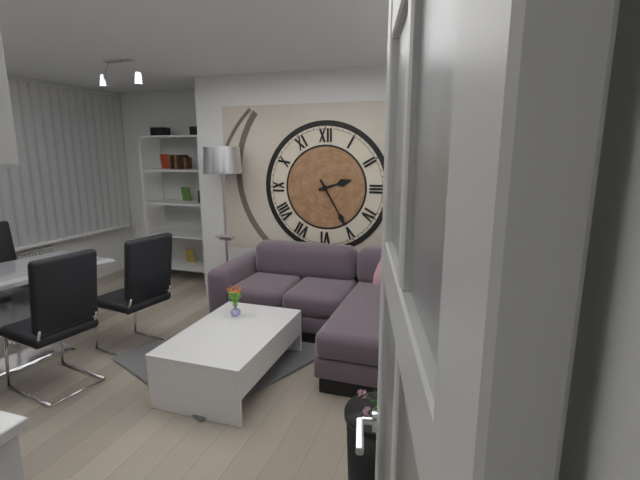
2:25
